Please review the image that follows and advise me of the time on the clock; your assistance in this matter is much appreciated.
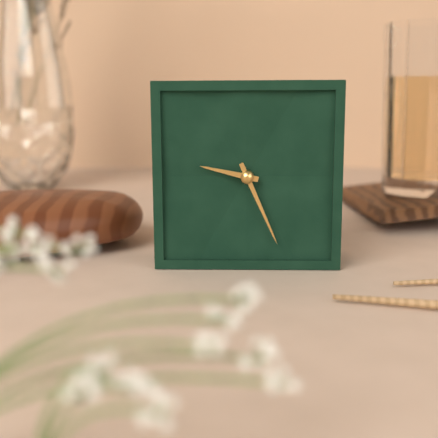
9:26
